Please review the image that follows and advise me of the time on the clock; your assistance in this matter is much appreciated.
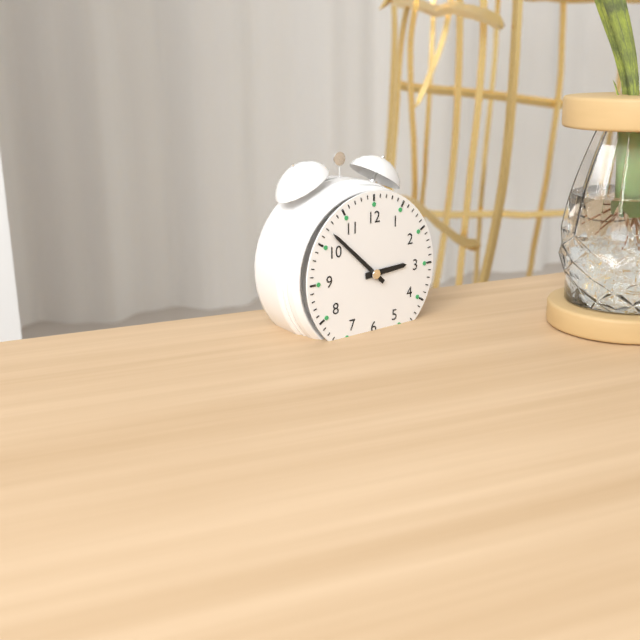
2:52
